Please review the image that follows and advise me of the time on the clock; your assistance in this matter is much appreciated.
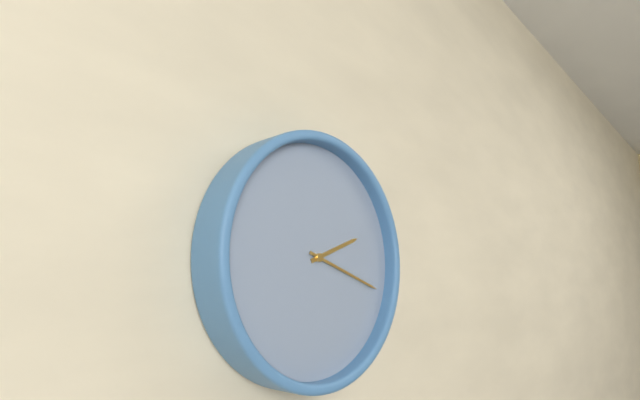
2:18
